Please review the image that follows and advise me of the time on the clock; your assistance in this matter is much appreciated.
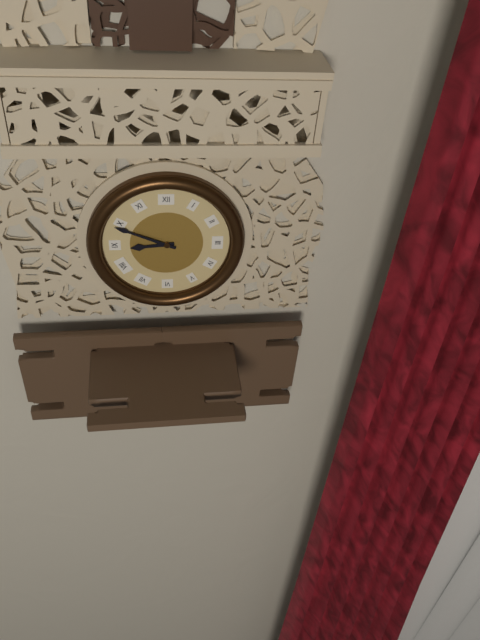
8:49
